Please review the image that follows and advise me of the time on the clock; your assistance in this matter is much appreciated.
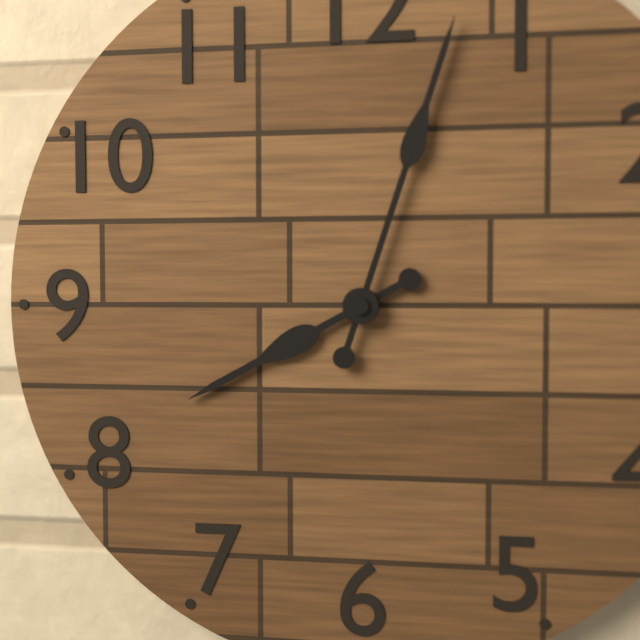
8:03
